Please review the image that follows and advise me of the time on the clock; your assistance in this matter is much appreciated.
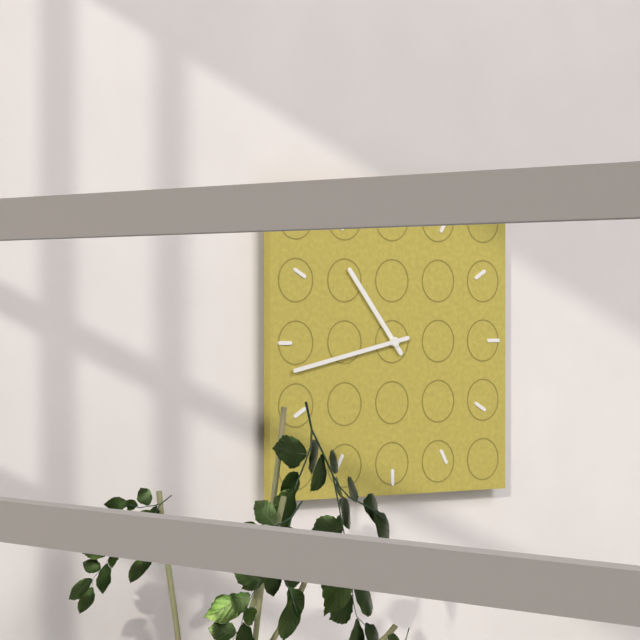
10:43
